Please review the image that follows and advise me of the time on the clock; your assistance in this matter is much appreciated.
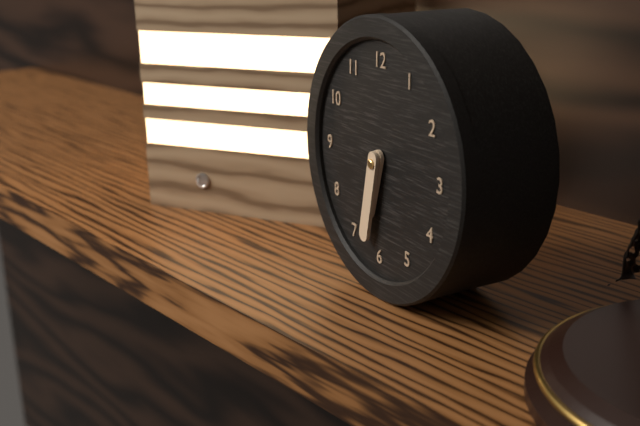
6:32
